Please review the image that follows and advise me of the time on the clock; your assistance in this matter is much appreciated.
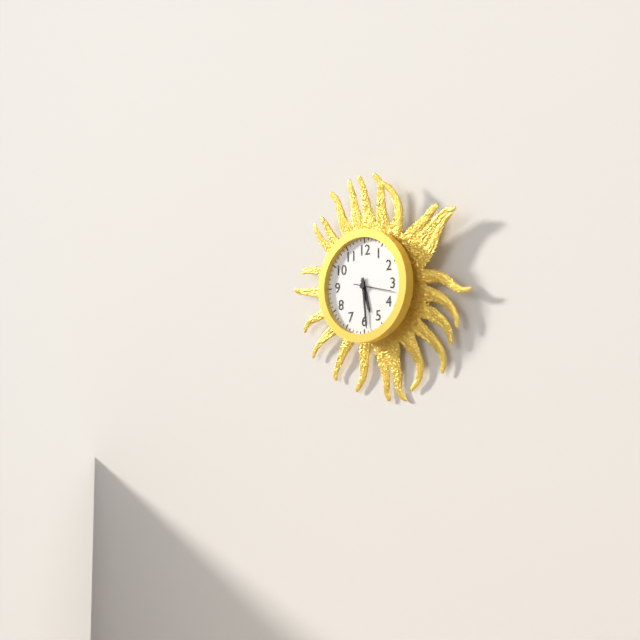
5:29
